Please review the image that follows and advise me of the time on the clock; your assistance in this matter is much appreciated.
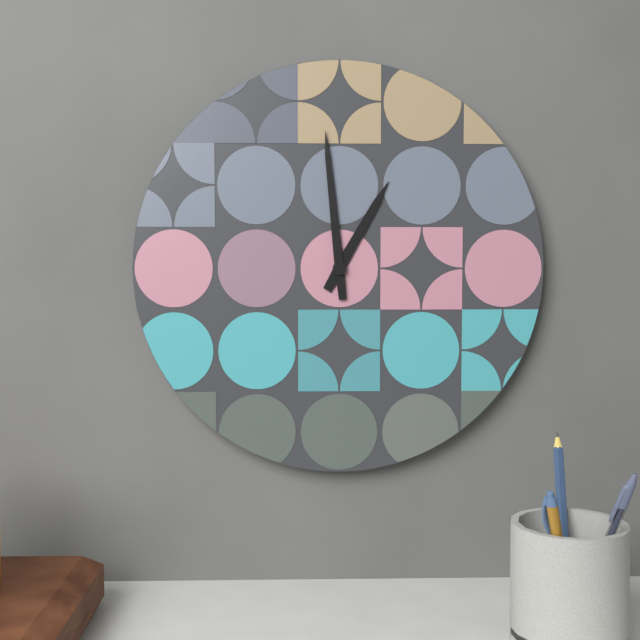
12:59
